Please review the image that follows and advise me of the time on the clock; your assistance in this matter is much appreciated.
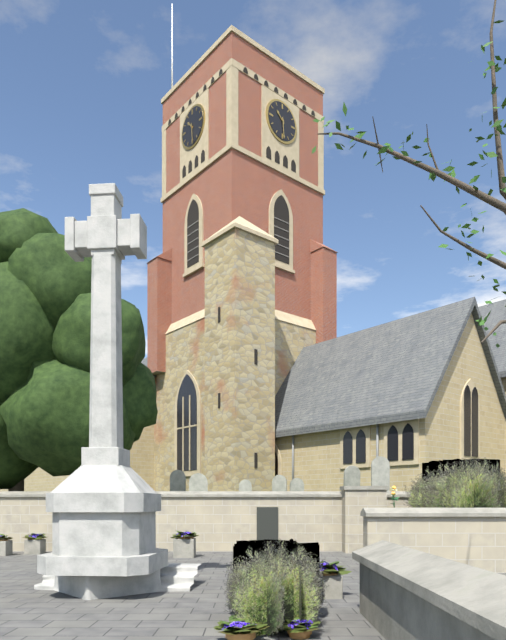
10:29
